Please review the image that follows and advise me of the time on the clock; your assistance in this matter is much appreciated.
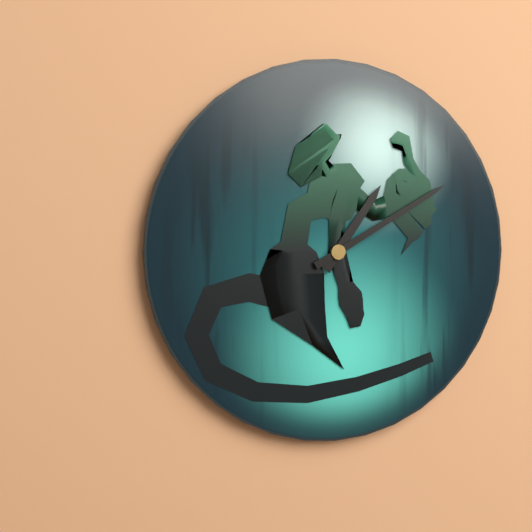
1:10
